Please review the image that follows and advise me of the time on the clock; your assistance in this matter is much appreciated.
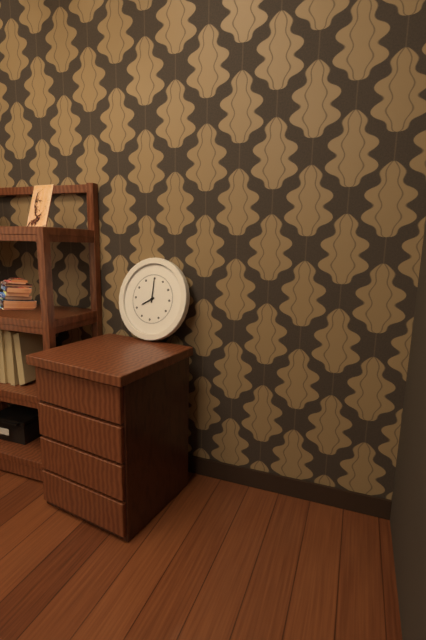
8:00
